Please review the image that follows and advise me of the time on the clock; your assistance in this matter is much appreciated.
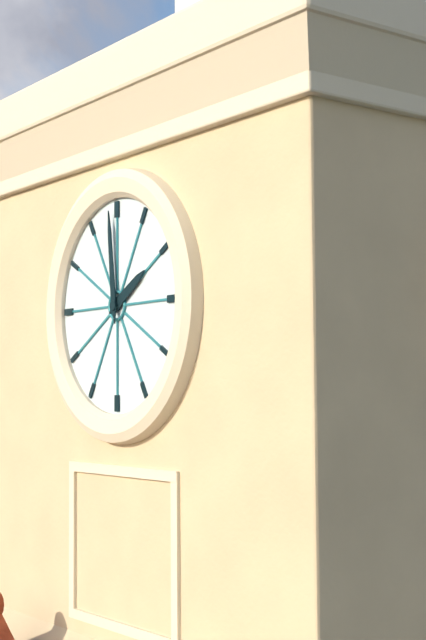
1:59
